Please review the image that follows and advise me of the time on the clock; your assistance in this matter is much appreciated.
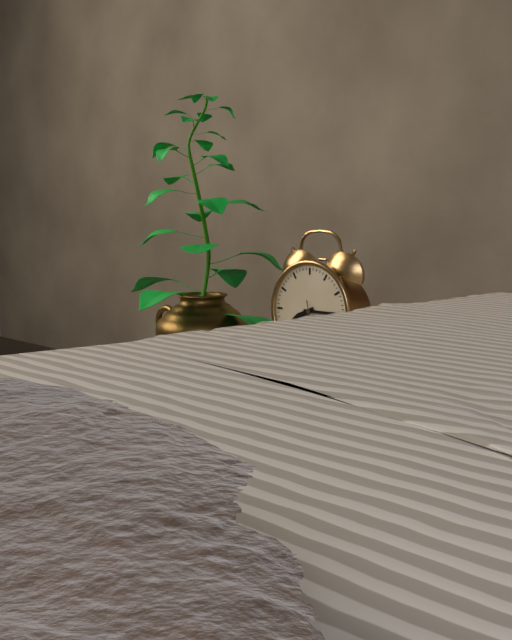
8:15
